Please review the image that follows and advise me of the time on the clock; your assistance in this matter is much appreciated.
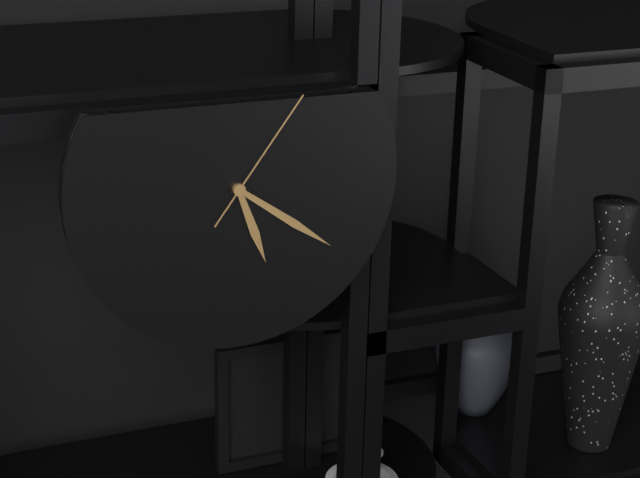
5:21:06
